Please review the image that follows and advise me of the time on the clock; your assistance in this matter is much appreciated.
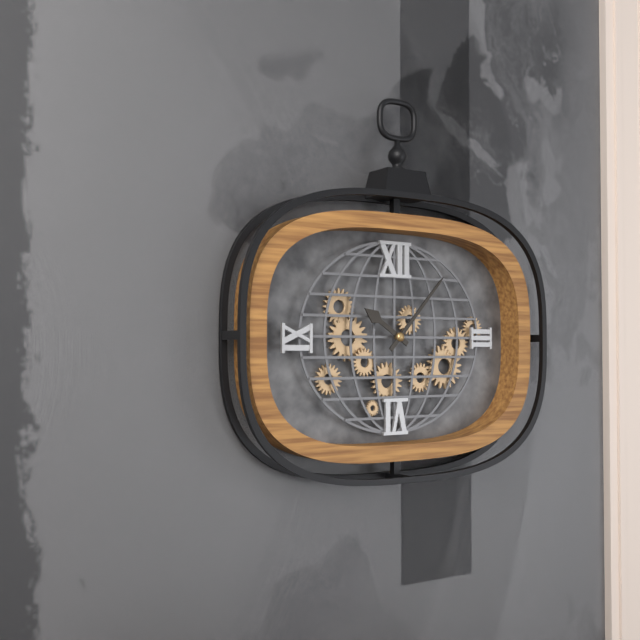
10:07
